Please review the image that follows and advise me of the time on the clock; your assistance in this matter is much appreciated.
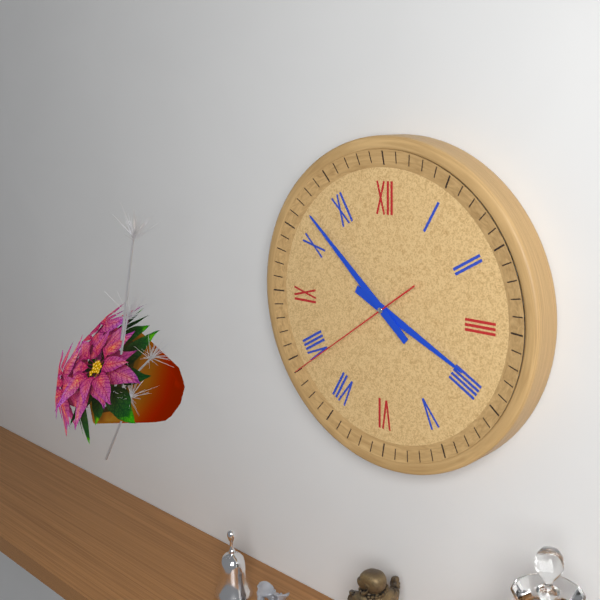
3:52:39
